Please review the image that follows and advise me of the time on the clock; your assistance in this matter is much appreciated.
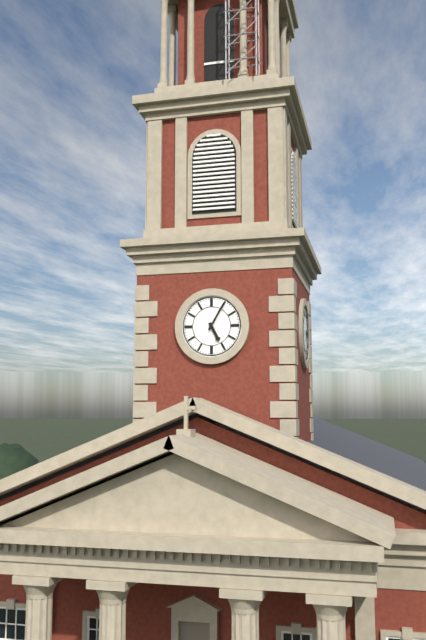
5:05
